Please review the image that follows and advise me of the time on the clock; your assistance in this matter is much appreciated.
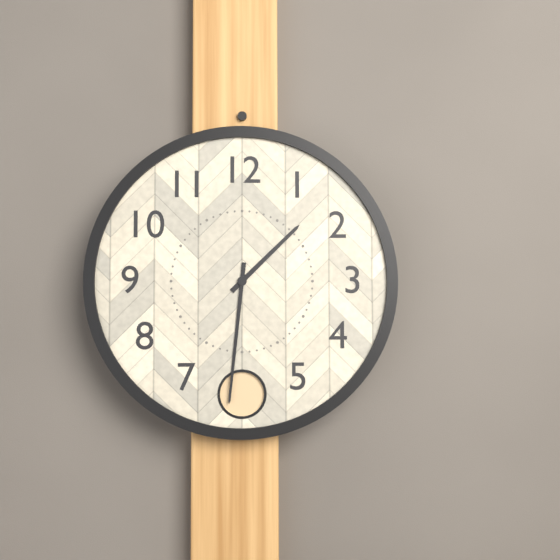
1:31
